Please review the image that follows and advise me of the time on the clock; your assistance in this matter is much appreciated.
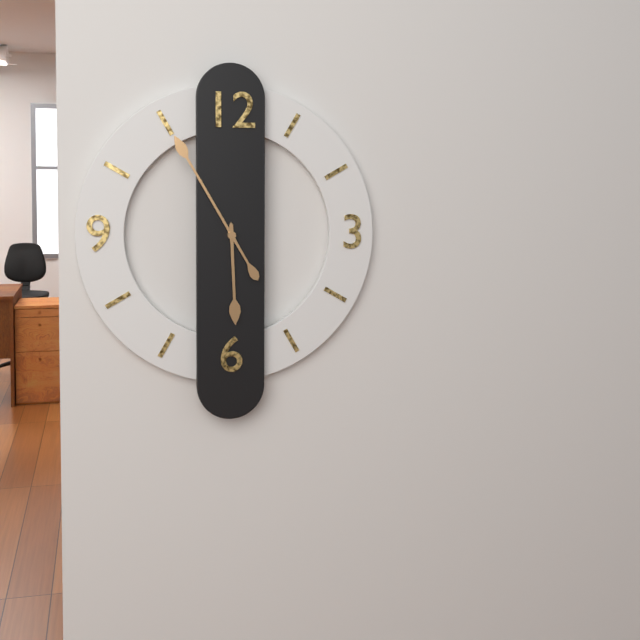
5:55
